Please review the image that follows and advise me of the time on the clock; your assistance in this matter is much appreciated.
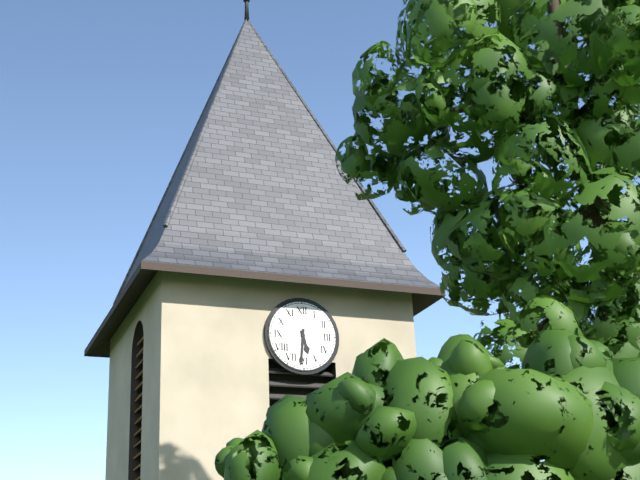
5:31
